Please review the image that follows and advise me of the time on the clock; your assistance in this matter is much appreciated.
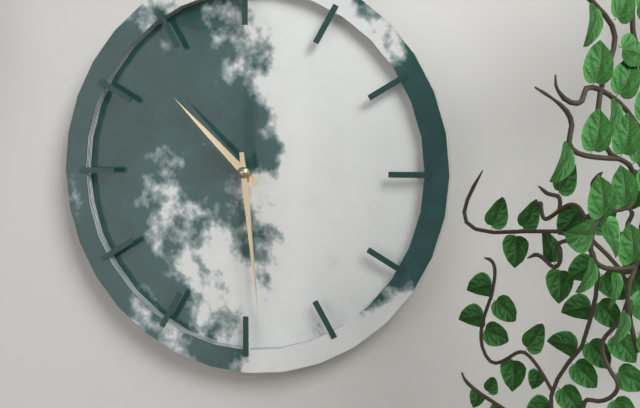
10:29
